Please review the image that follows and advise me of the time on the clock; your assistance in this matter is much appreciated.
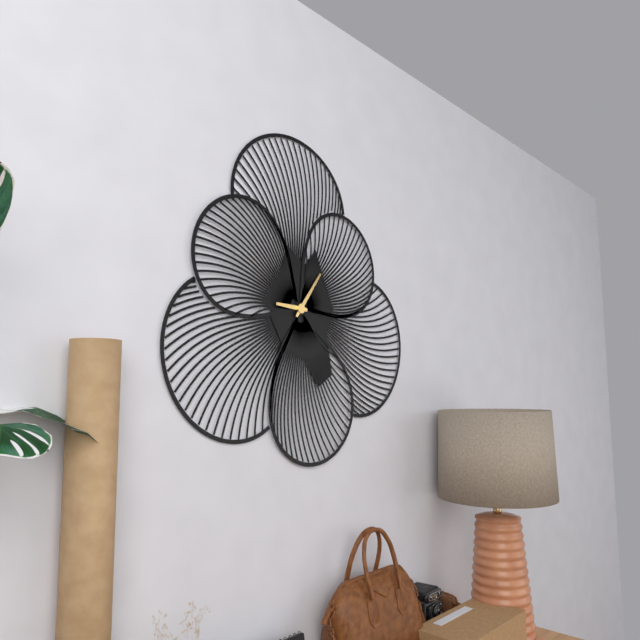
9:06
